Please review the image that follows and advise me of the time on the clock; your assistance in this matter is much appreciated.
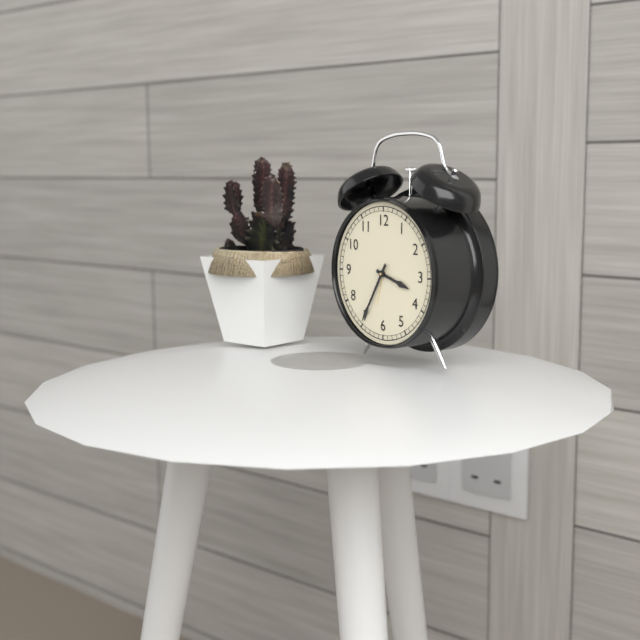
3:35
